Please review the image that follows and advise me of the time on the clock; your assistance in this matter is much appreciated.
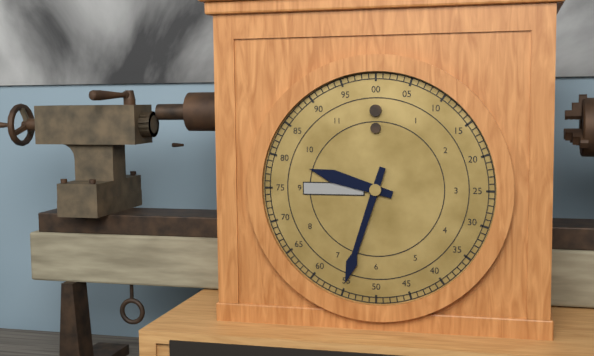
9:33
